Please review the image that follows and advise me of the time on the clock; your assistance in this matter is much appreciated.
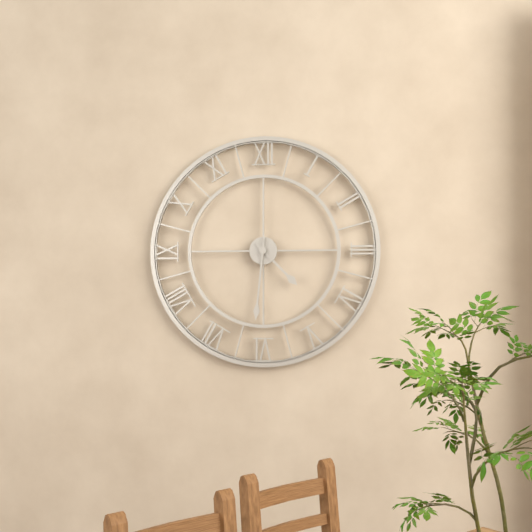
4:31
